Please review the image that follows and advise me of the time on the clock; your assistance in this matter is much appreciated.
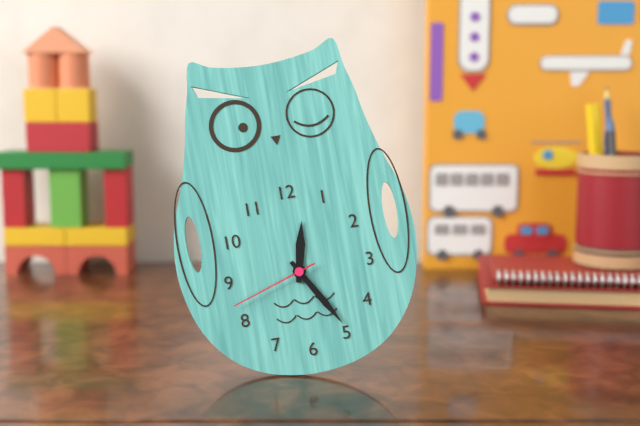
12:25:42
